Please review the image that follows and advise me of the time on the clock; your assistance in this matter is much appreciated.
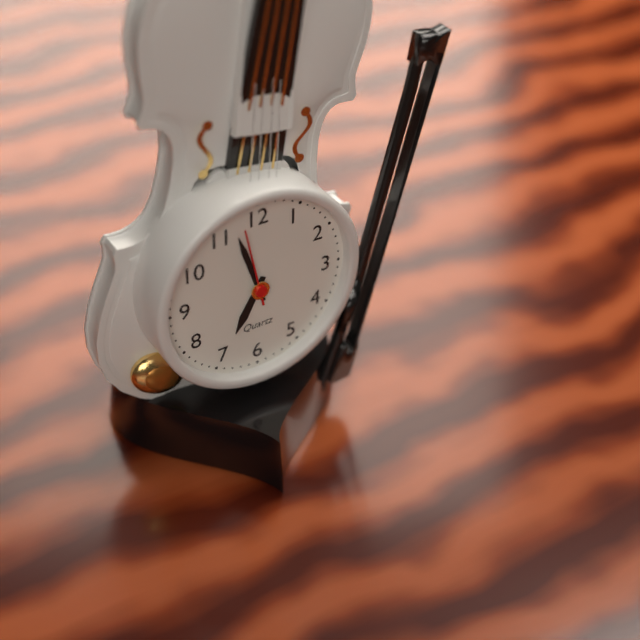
6:57:58
